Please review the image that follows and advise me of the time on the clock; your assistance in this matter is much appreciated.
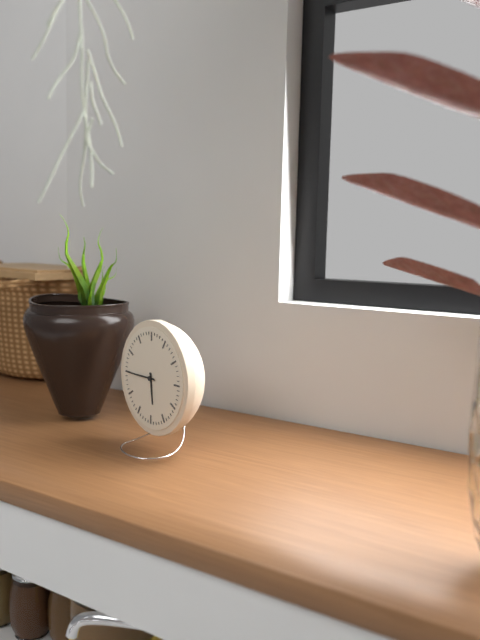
5:45
